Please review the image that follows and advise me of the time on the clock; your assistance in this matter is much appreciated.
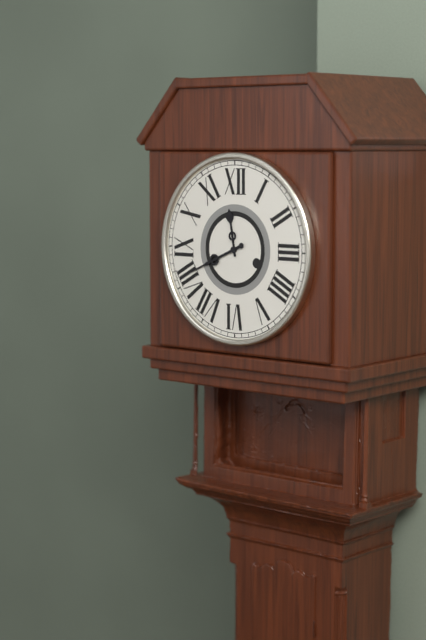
11:41
